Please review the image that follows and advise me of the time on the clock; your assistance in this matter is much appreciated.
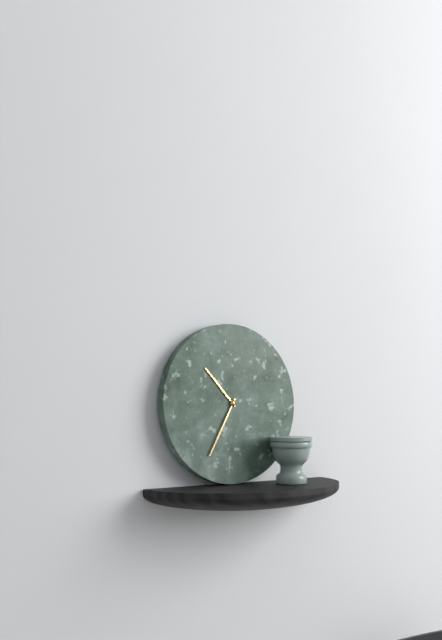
10:35
